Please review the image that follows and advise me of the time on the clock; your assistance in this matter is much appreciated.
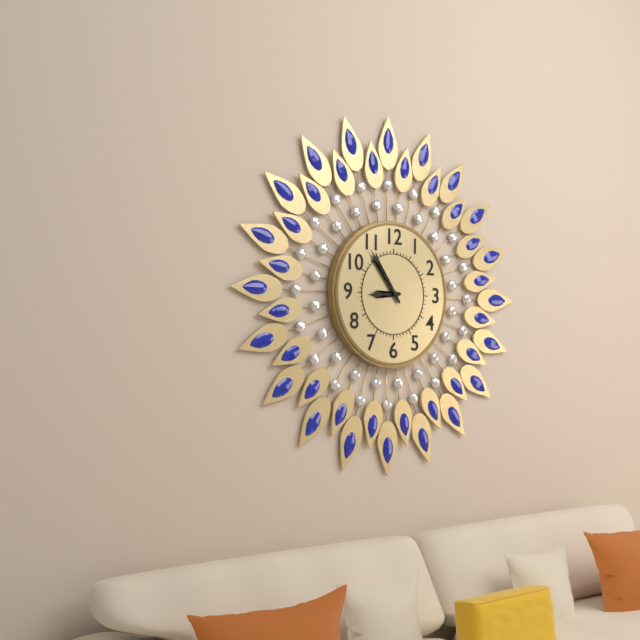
8:54
